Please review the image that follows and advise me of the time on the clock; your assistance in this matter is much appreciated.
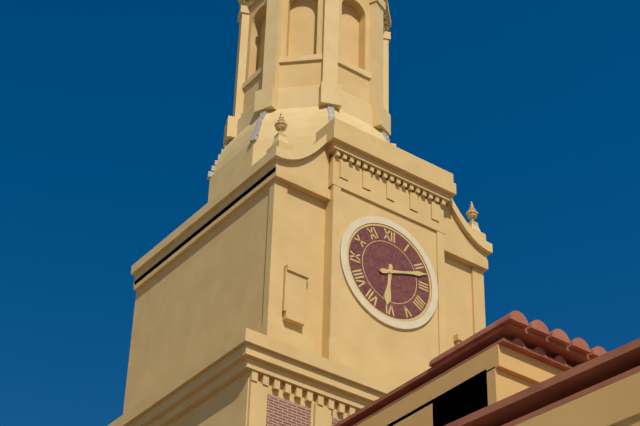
6:12
